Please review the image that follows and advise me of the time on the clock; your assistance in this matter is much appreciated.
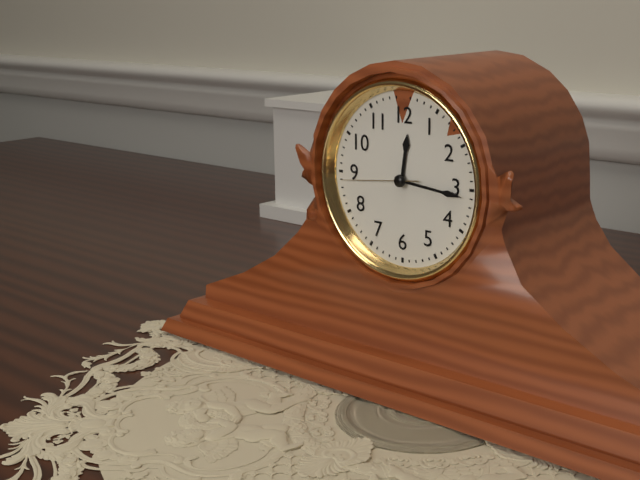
12:16:44
